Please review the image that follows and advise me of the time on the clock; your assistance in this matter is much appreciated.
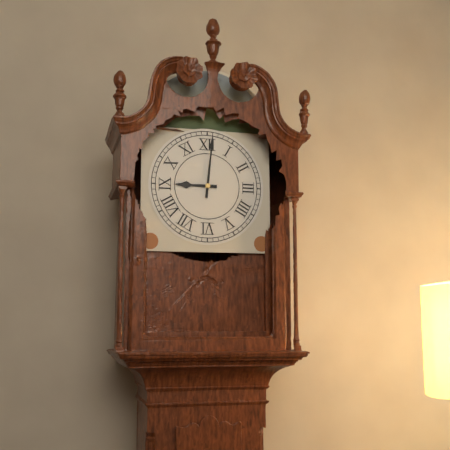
9:01
